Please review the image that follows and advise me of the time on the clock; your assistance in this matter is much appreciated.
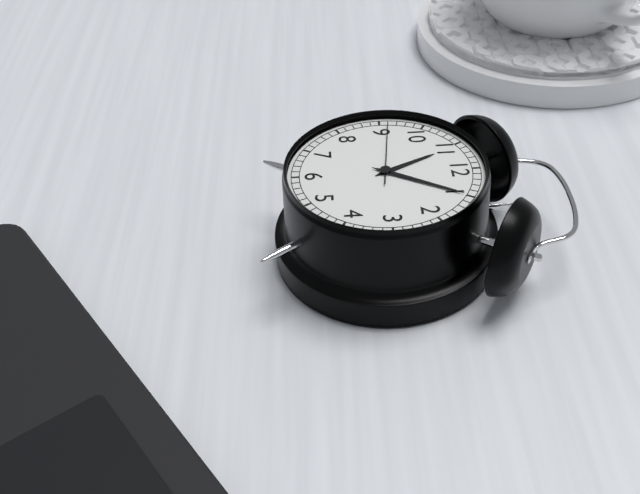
11:05:46
